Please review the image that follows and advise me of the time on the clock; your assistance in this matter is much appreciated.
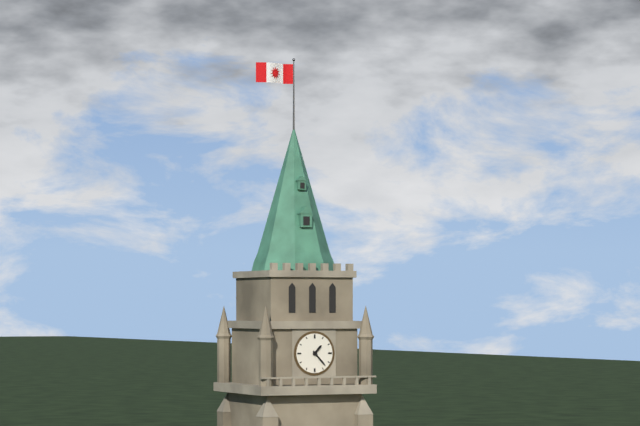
1:23
